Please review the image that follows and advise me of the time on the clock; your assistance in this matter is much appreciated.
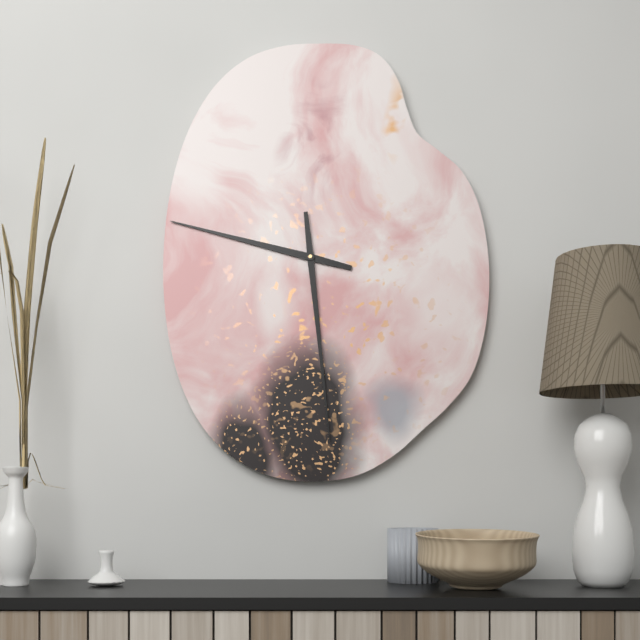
9:29
